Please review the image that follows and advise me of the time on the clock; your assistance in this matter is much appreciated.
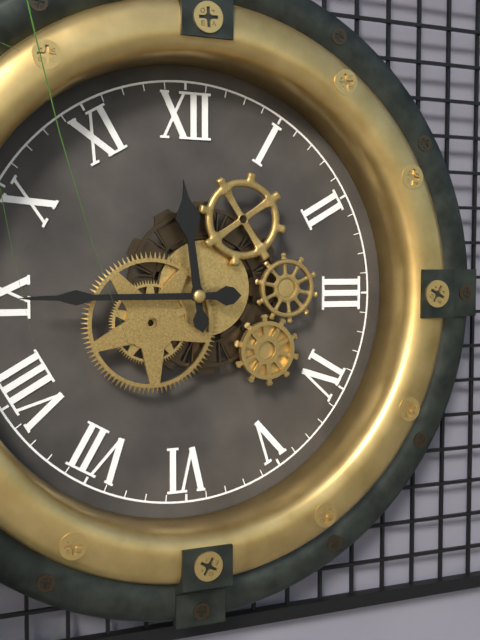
11:45
